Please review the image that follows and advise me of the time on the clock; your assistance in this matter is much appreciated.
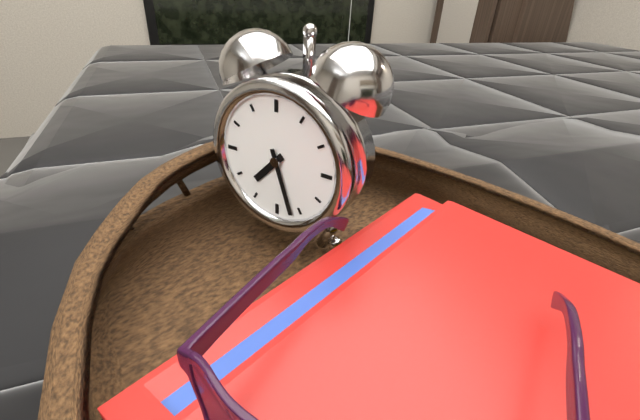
7:27
